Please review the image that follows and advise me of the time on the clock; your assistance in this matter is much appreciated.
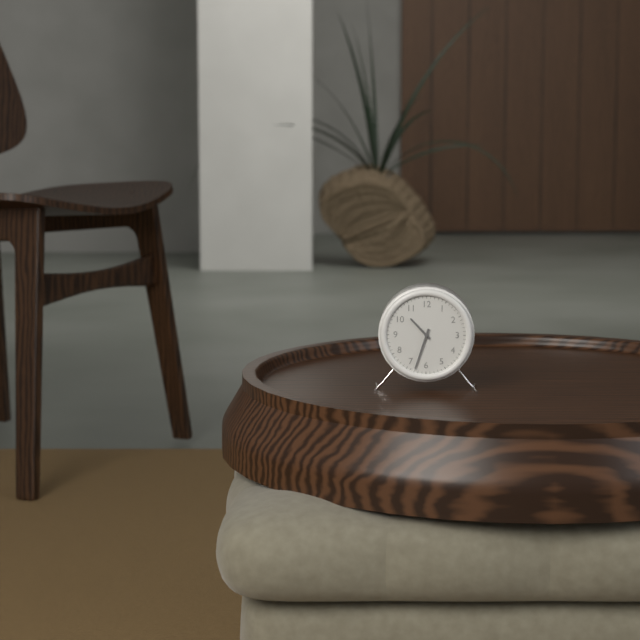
10:33
